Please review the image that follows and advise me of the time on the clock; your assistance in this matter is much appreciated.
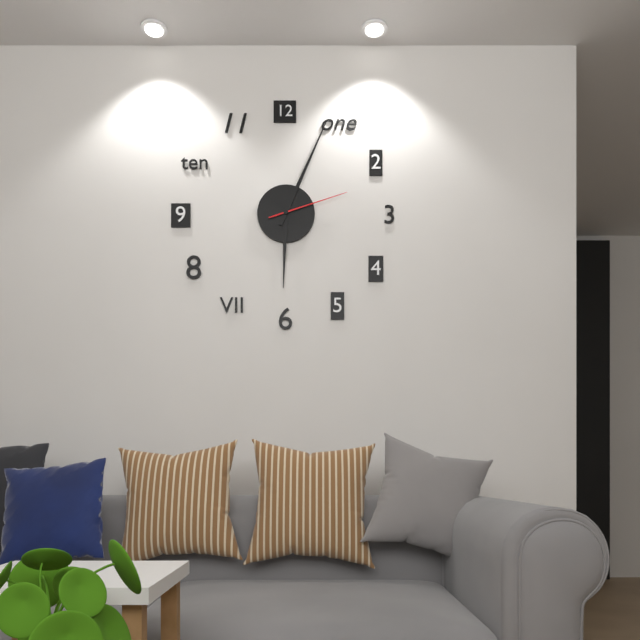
6:04:12
